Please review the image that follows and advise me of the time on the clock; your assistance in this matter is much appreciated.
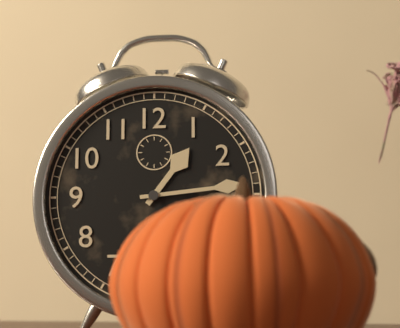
1:14
